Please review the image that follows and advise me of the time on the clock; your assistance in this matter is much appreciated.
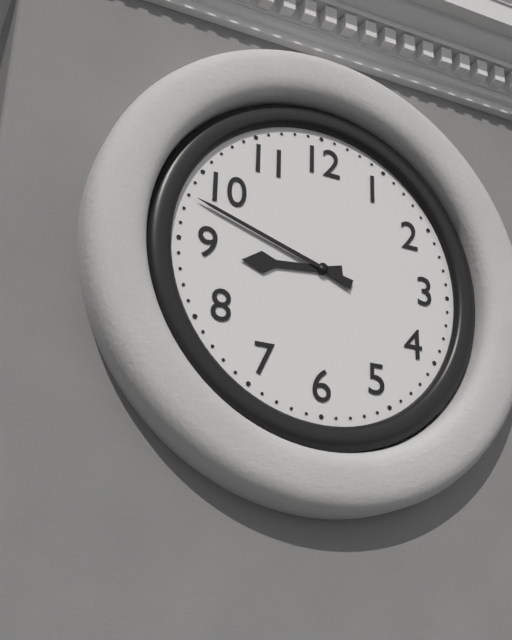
8:48
